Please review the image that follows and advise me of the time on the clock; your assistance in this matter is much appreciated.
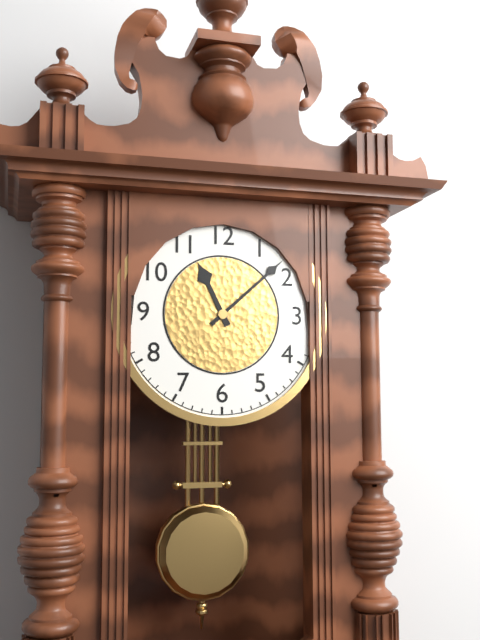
11:08
